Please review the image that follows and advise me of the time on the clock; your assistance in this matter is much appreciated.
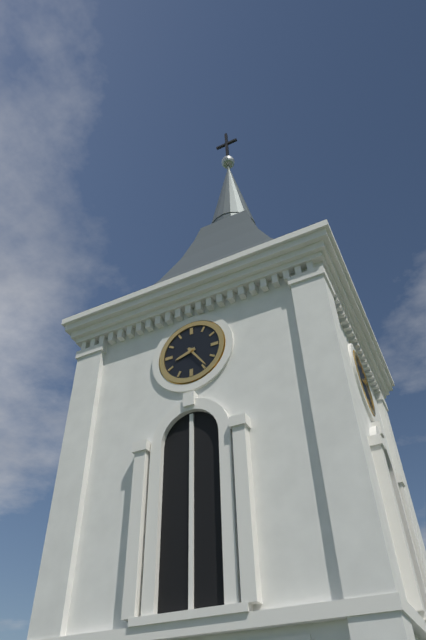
8:24
